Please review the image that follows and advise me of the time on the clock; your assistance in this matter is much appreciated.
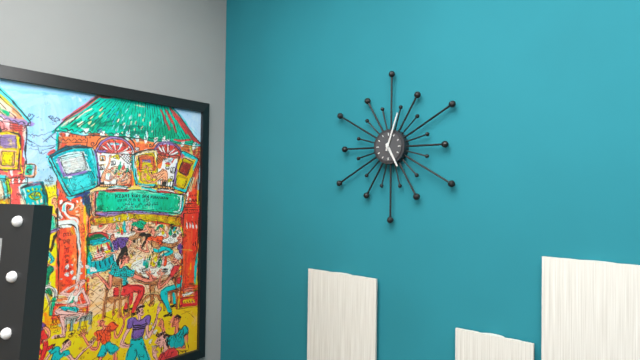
5:03
